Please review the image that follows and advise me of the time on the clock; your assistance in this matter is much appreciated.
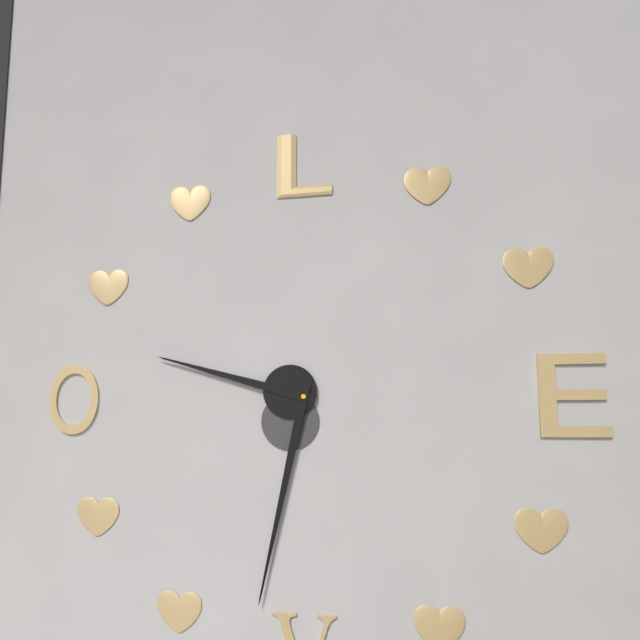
9:32
